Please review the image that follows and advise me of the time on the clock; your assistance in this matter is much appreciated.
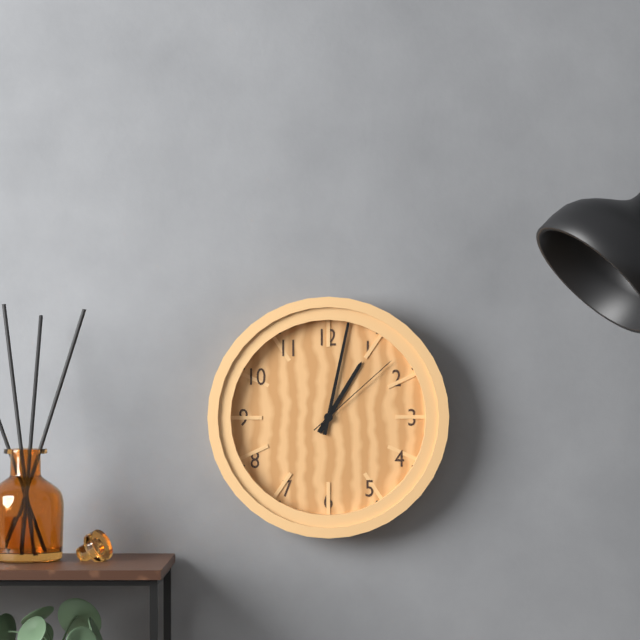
1:02:08
